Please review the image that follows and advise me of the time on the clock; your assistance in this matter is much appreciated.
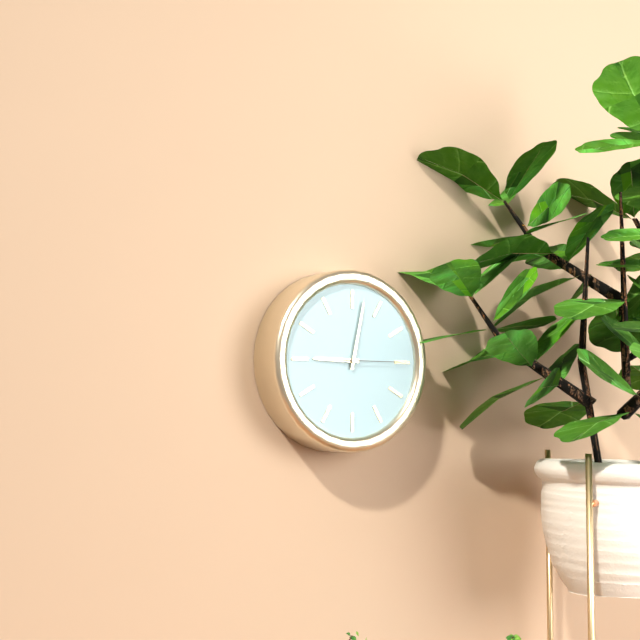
9:02:15
